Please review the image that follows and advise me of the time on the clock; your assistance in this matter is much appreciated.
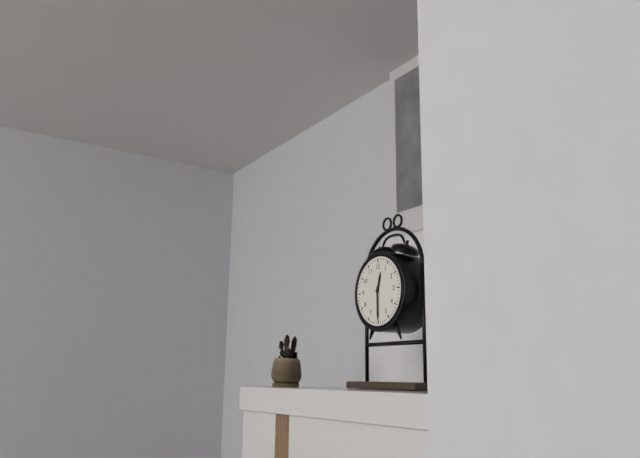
12:30
